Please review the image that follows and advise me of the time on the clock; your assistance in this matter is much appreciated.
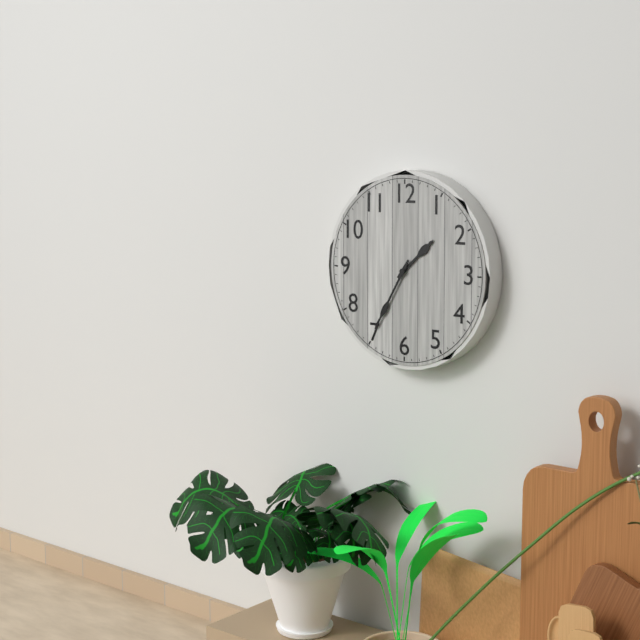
1:35
